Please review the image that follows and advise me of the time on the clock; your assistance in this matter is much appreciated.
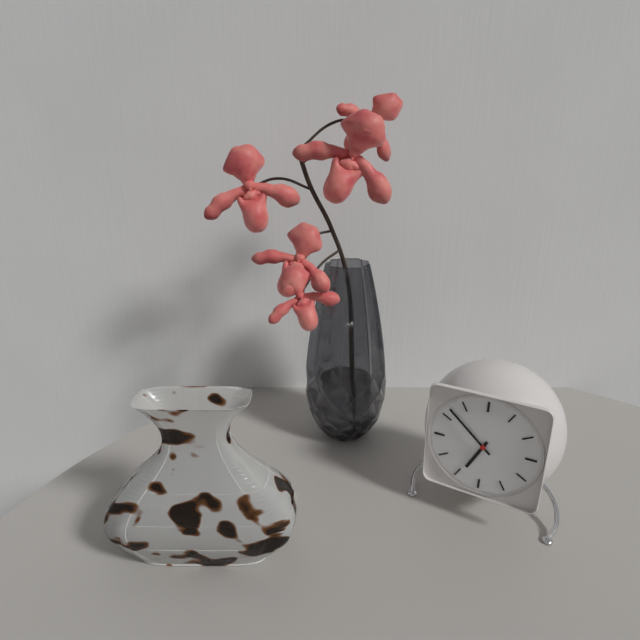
6:52
